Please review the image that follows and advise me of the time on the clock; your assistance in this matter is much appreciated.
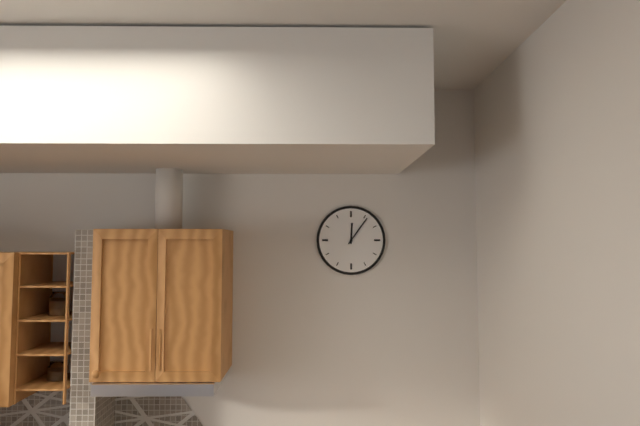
12:06
